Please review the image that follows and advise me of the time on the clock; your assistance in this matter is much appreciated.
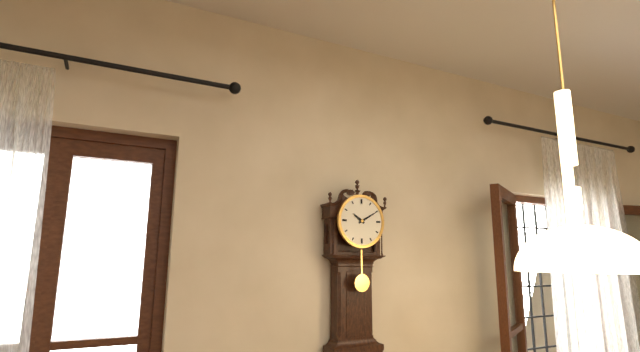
10:10
